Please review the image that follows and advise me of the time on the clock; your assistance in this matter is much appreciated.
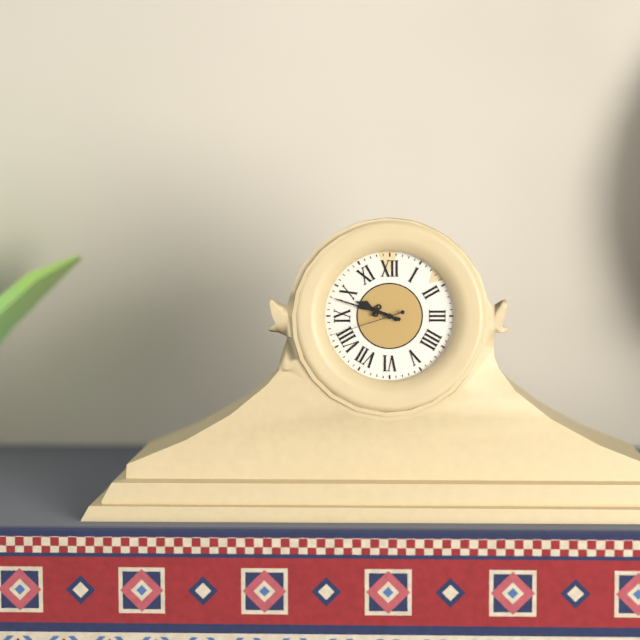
9:48:42
